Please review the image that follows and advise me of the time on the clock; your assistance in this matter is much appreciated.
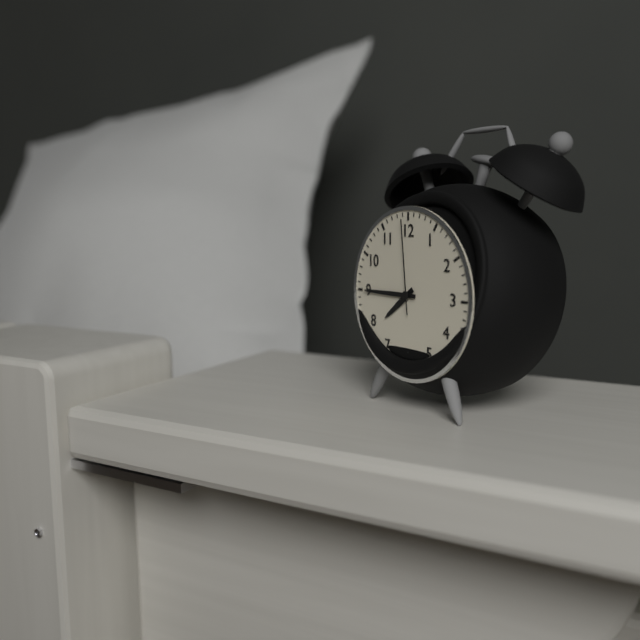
7:45:59
